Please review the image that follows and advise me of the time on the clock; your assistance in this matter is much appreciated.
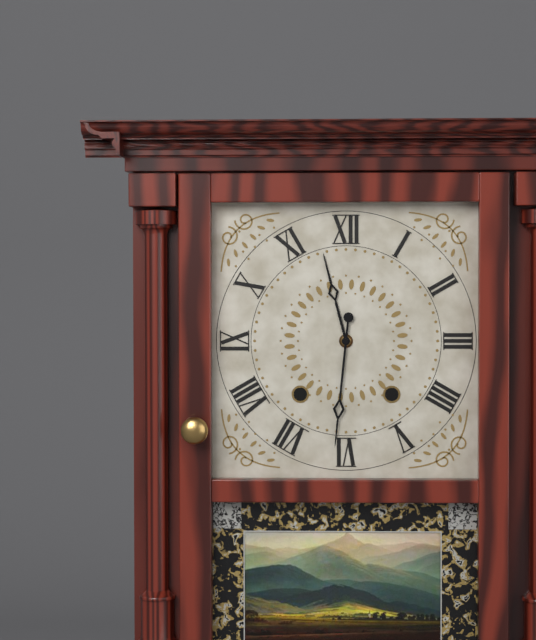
11:31
